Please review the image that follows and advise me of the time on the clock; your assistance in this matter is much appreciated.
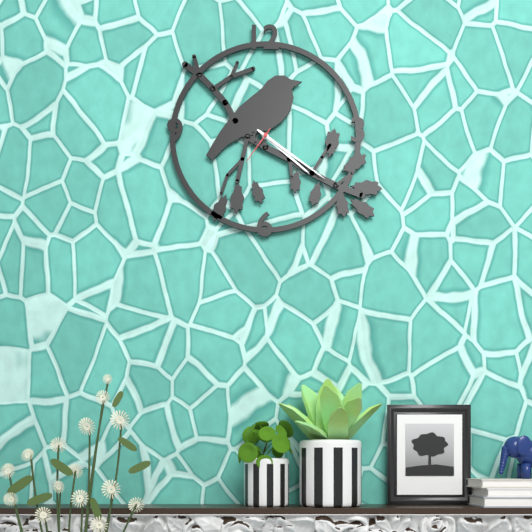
4:21
